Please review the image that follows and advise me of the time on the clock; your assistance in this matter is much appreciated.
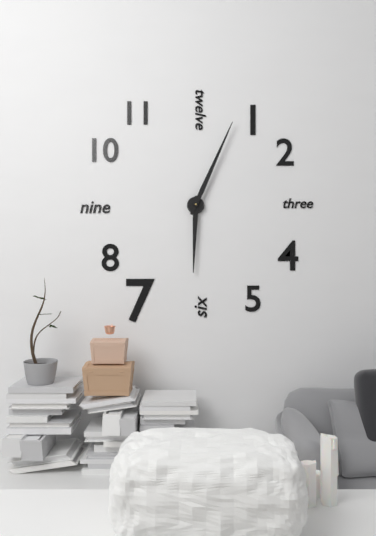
6:04
